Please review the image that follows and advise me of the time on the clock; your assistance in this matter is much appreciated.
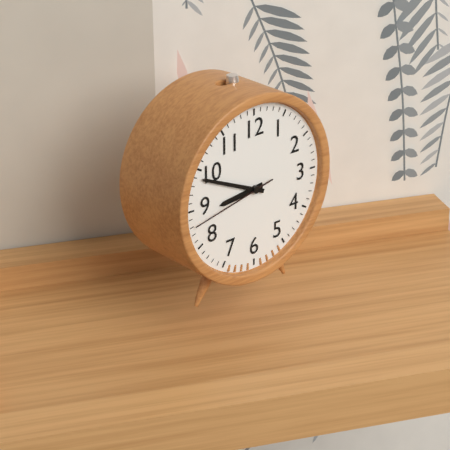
8:49:43
